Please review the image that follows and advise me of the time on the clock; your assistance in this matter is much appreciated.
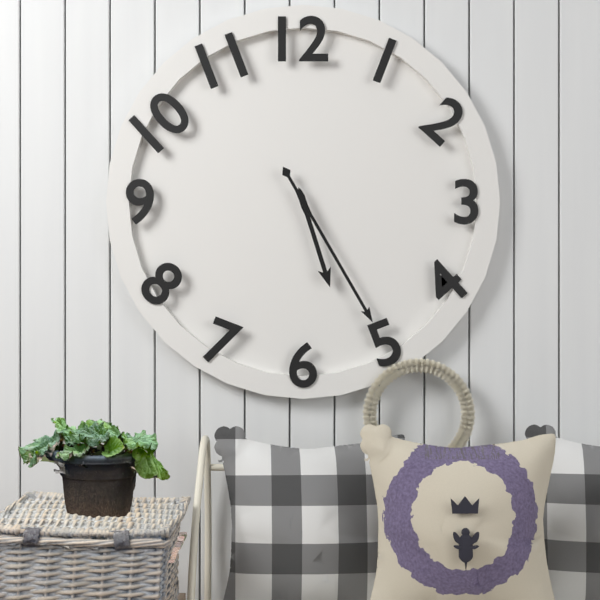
5:25
